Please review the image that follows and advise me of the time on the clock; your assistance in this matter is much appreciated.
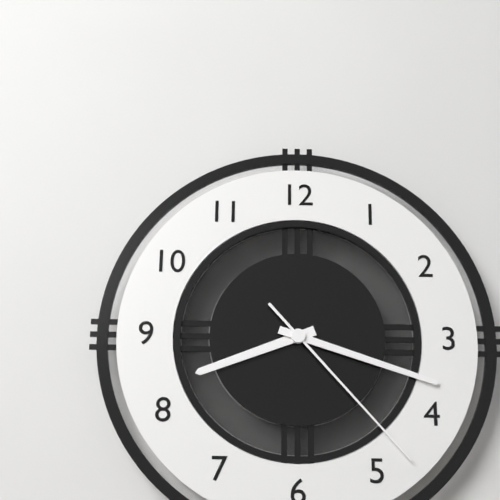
8:18:23
